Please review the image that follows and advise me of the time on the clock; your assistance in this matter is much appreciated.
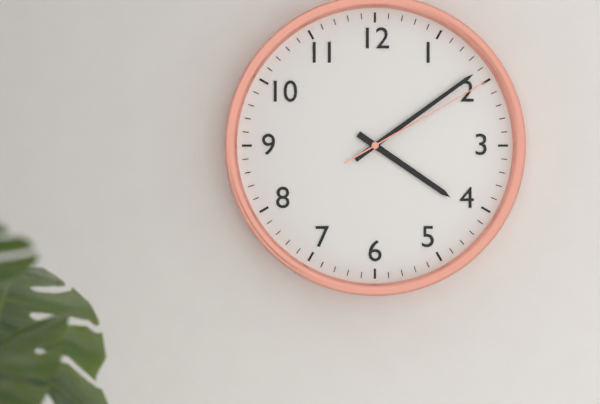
4:09:10
